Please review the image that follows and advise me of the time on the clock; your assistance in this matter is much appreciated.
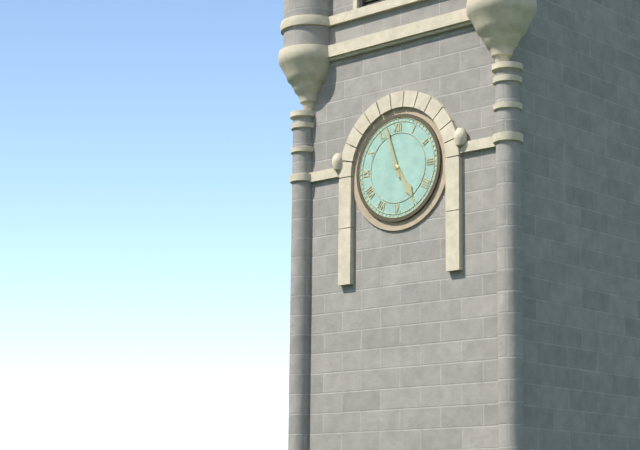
4:57
